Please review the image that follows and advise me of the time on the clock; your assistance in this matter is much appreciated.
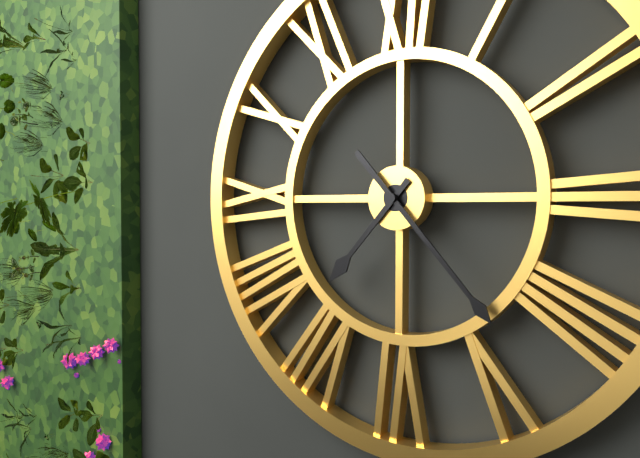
7:23
